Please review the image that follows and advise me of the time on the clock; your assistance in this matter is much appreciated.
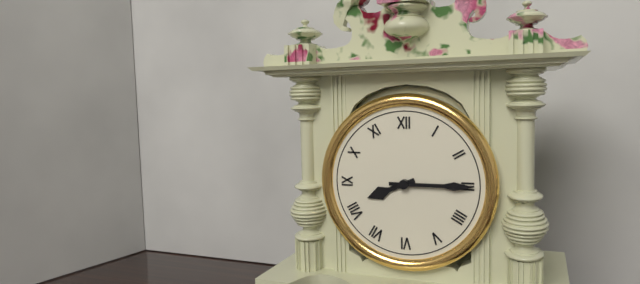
8:15
